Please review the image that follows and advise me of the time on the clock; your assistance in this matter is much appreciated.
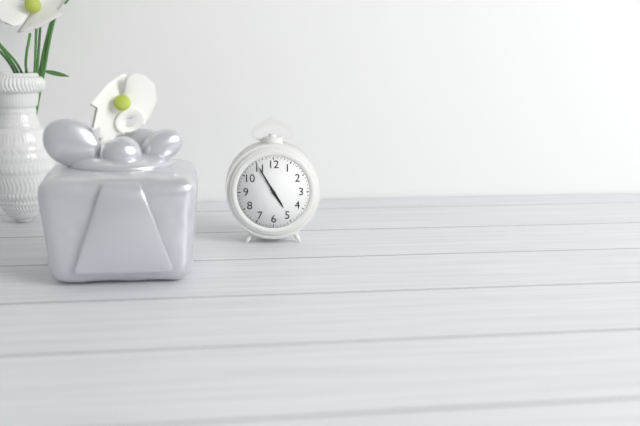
4:55
